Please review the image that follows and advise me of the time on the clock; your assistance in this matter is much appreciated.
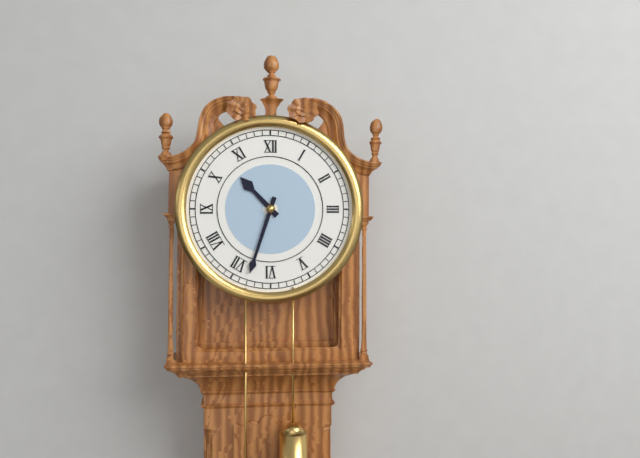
10:33
